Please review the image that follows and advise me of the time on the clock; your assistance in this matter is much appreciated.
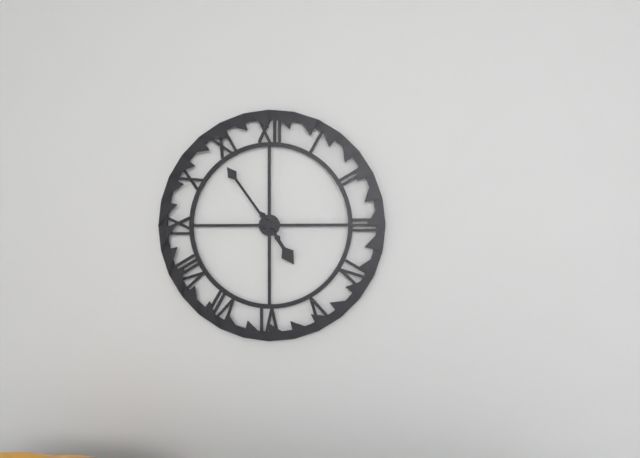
4:54
